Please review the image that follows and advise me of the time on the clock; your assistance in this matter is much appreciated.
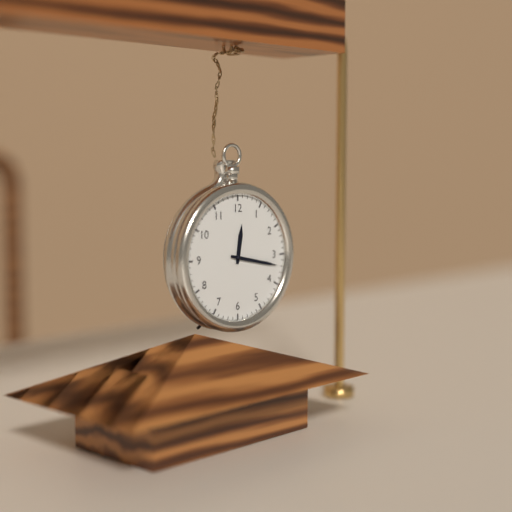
12:17
